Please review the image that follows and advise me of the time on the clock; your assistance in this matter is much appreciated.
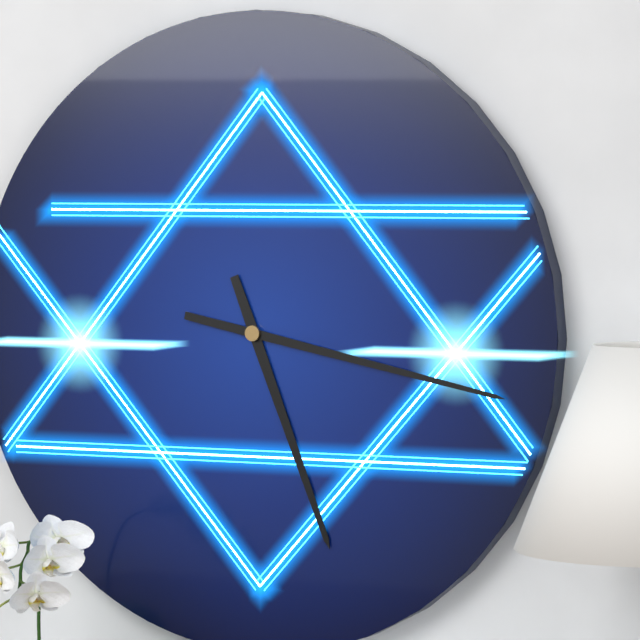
5:17
